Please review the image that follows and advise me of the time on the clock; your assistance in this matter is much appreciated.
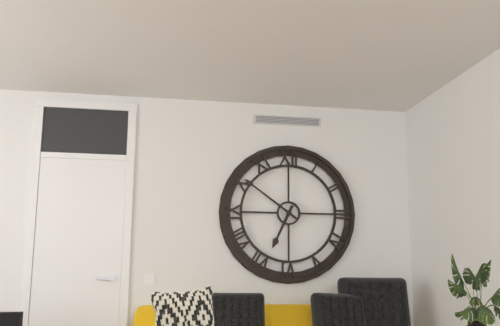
6:51
